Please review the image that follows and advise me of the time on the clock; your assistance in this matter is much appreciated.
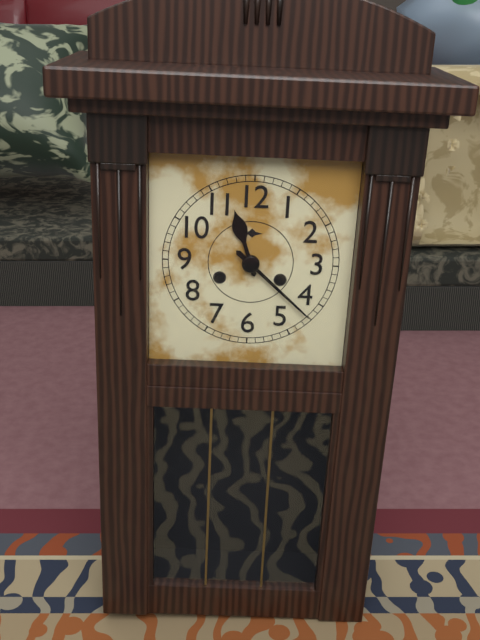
11:22
